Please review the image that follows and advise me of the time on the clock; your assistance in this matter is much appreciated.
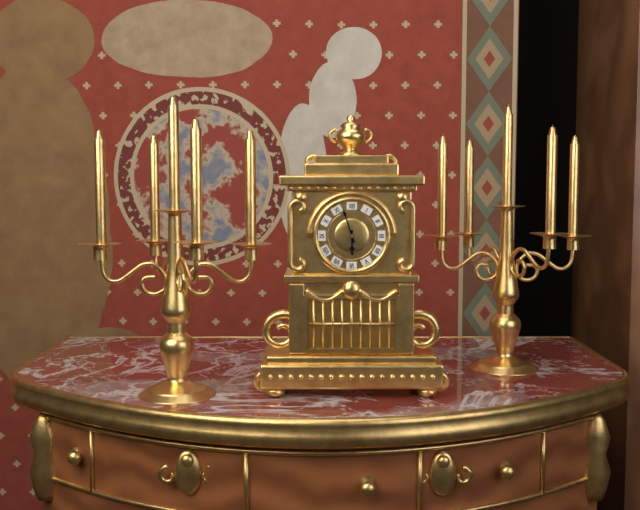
5:57
